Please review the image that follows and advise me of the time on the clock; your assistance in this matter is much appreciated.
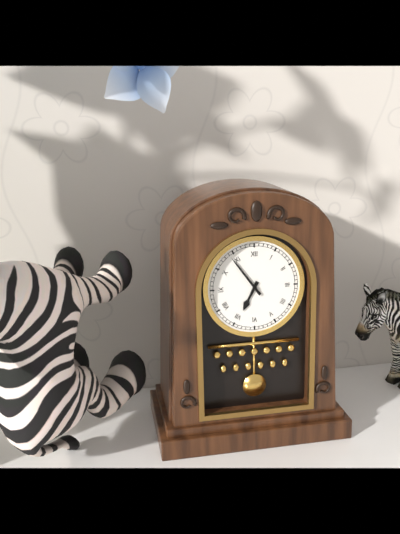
6:54
